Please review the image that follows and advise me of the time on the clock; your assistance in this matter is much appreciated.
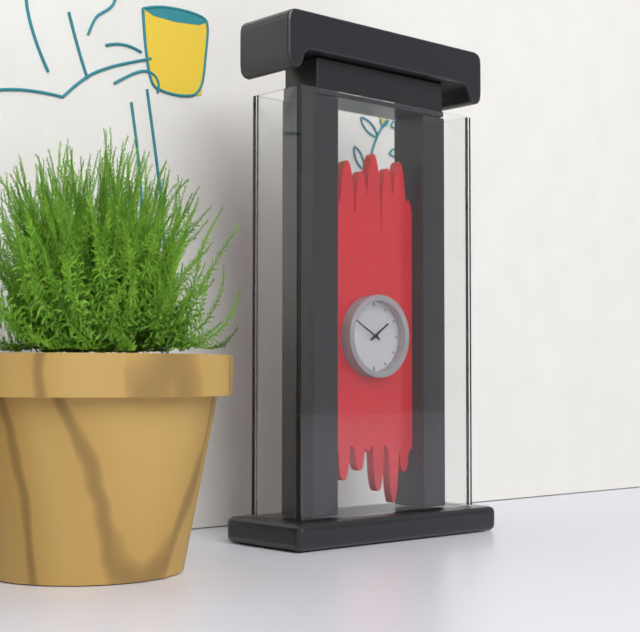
1:50
